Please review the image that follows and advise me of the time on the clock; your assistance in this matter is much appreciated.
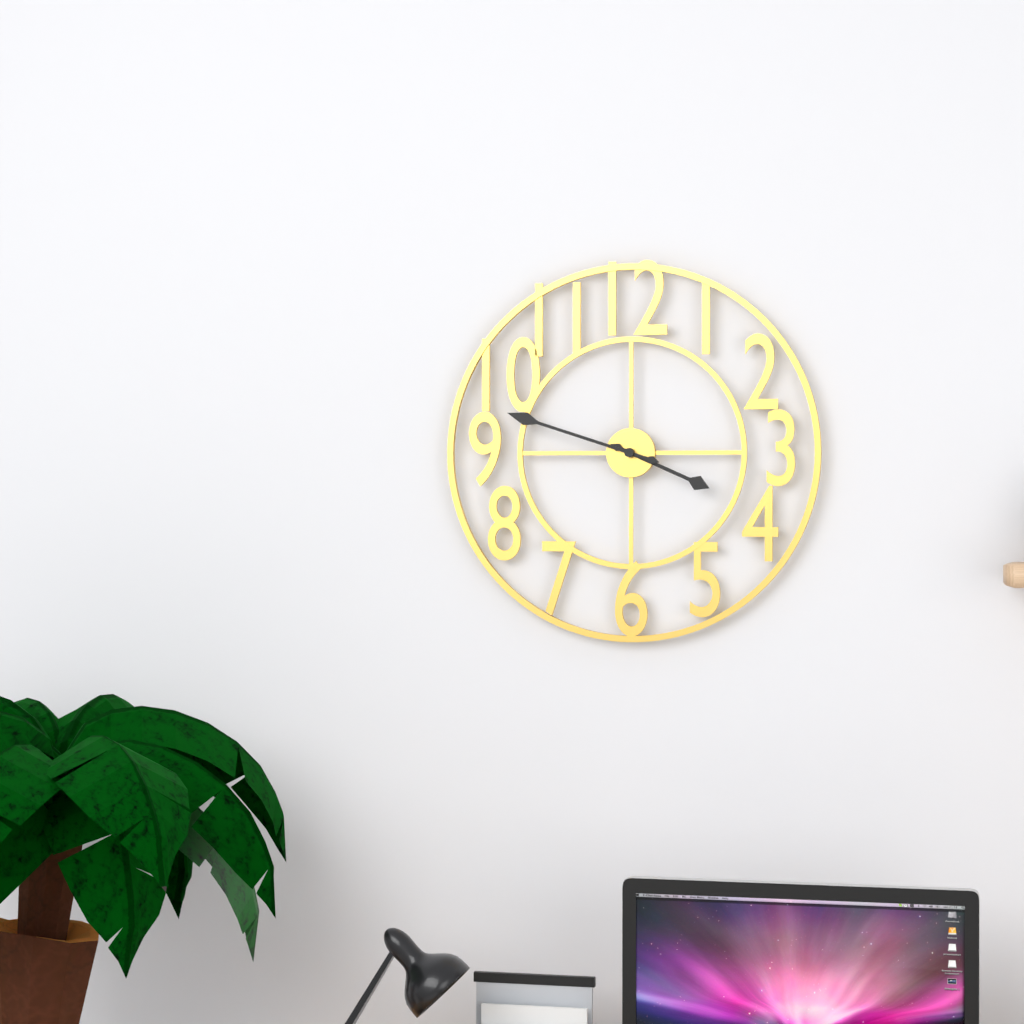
3:48
